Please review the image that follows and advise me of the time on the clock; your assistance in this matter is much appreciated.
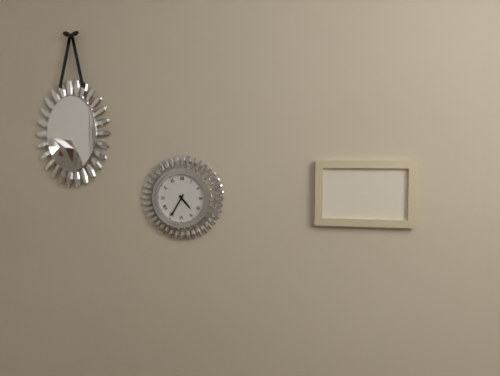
4:35
